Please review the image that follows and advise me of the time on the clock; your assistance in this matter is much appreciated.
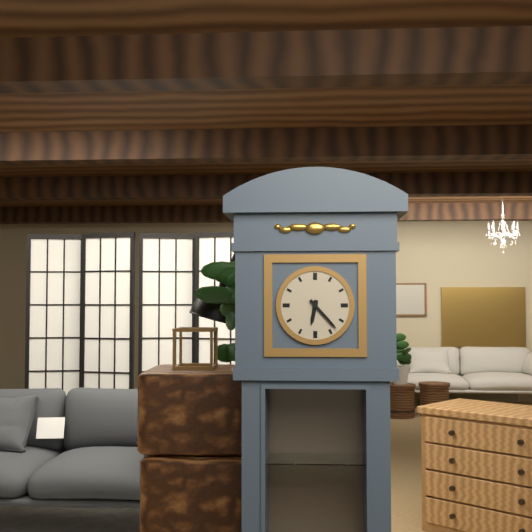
6:23
